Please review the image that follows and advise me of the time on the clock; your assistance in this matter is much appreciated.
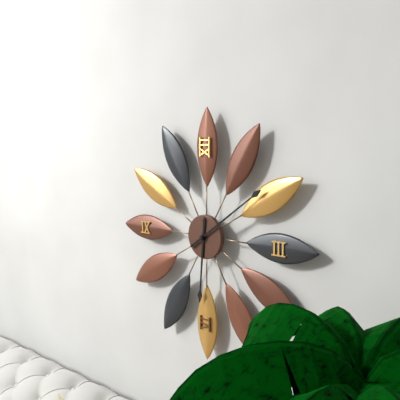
6:09
